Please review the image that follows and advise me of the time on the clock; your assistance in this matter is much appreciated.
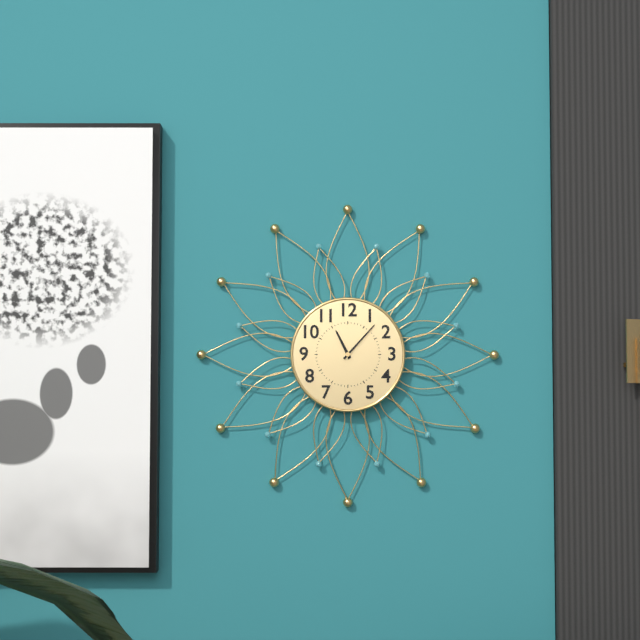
11:07
